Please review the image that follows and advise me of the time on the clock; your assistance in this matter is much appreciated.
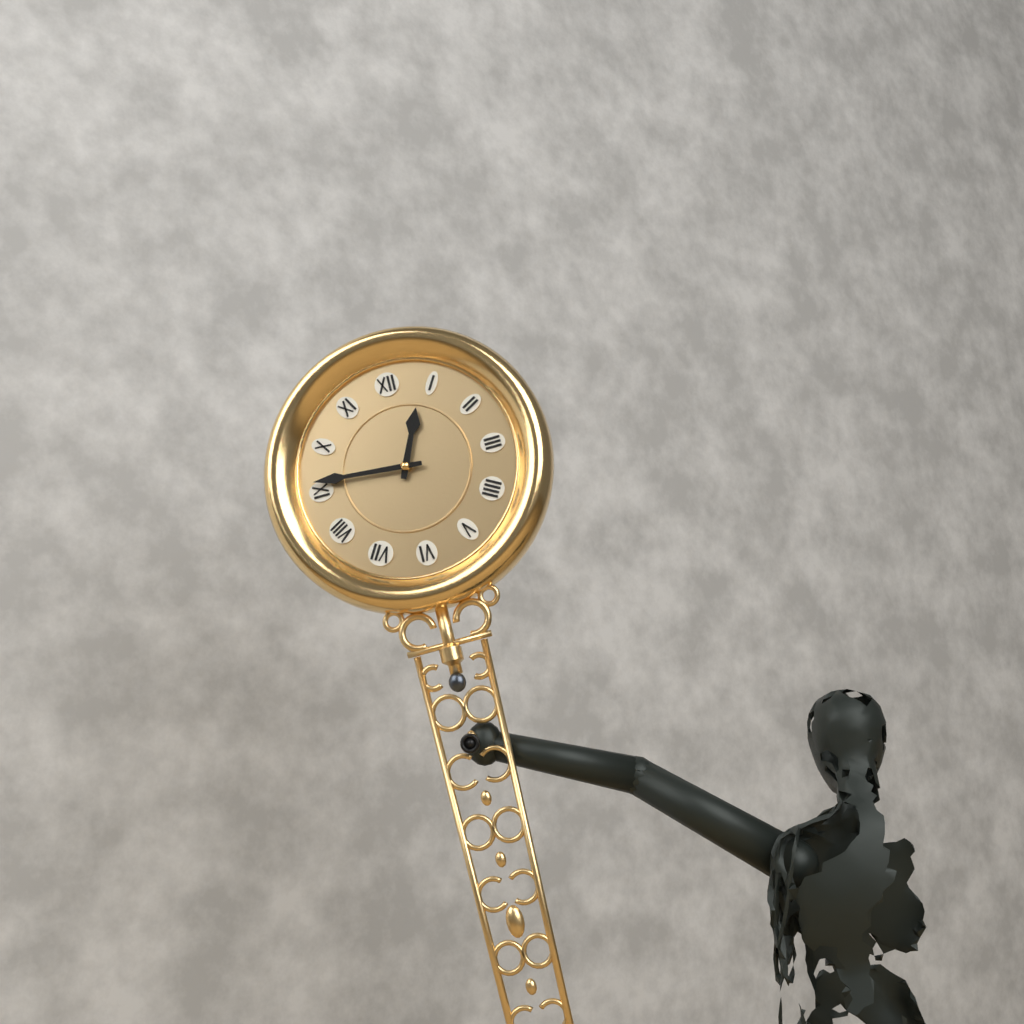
12:46
